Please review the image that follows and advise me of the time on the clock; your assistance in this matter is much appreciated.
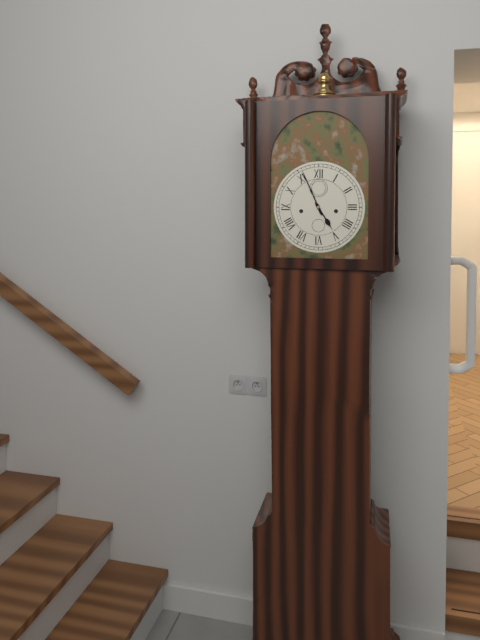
4:56
